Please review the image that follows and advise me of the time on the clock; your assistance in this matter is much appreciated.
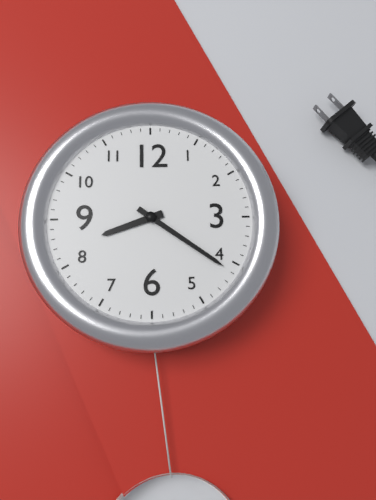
8:21
